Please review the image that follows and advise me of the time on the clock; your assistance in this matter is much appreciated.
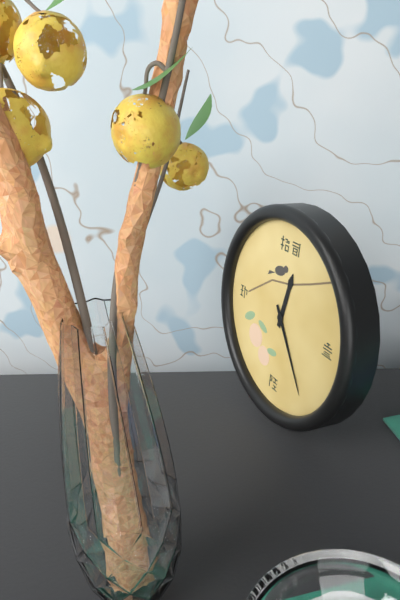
12:24
